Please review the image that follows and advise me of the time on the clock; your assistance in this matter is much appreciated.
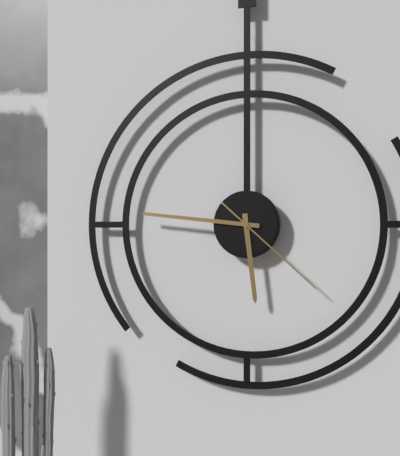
5:46:22
